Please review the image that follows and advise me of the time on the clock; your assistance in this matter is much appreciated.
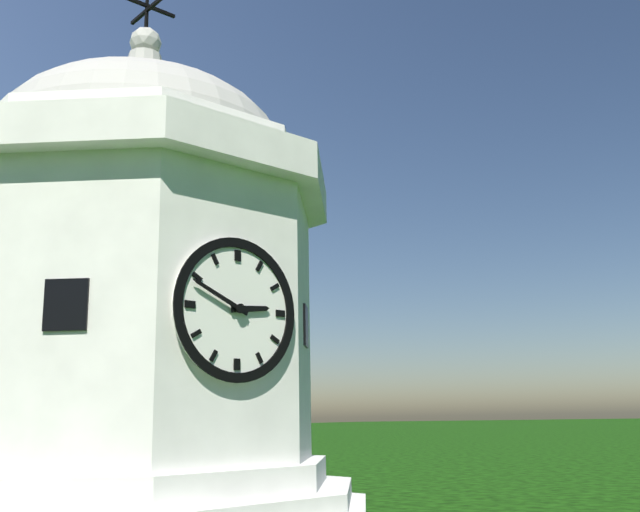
2:49
